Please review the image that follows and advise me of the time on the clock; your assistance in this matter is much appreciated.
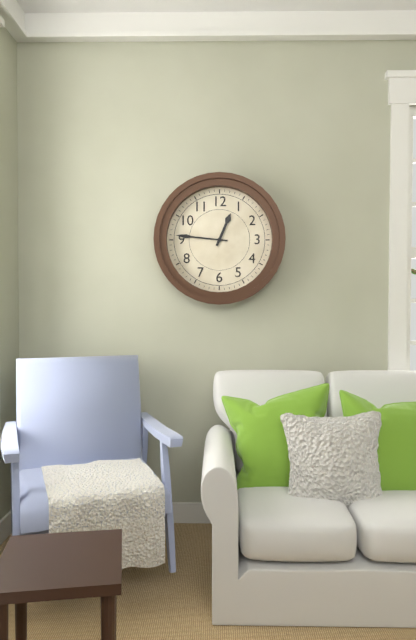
12:46
